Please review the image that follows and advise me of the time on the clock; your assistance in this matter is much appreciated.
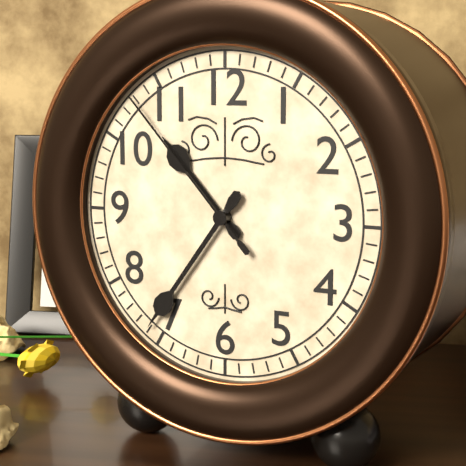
10:36:53
